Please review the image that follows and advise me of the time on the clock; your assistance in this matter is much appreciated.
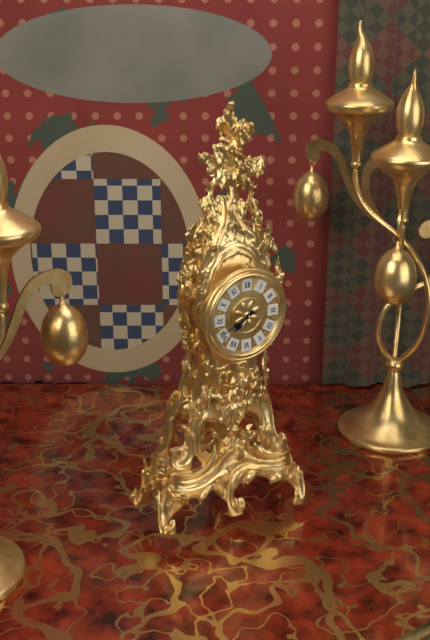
7:41
